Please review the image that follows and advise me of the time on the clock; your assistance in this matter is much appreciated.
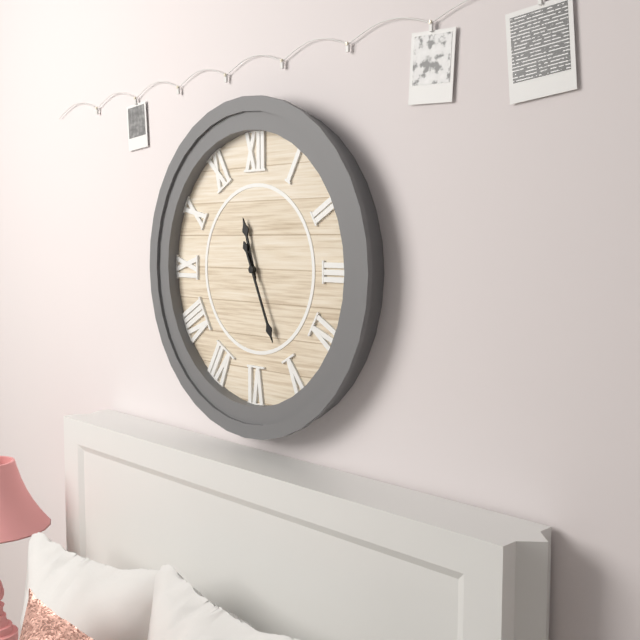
11:26
